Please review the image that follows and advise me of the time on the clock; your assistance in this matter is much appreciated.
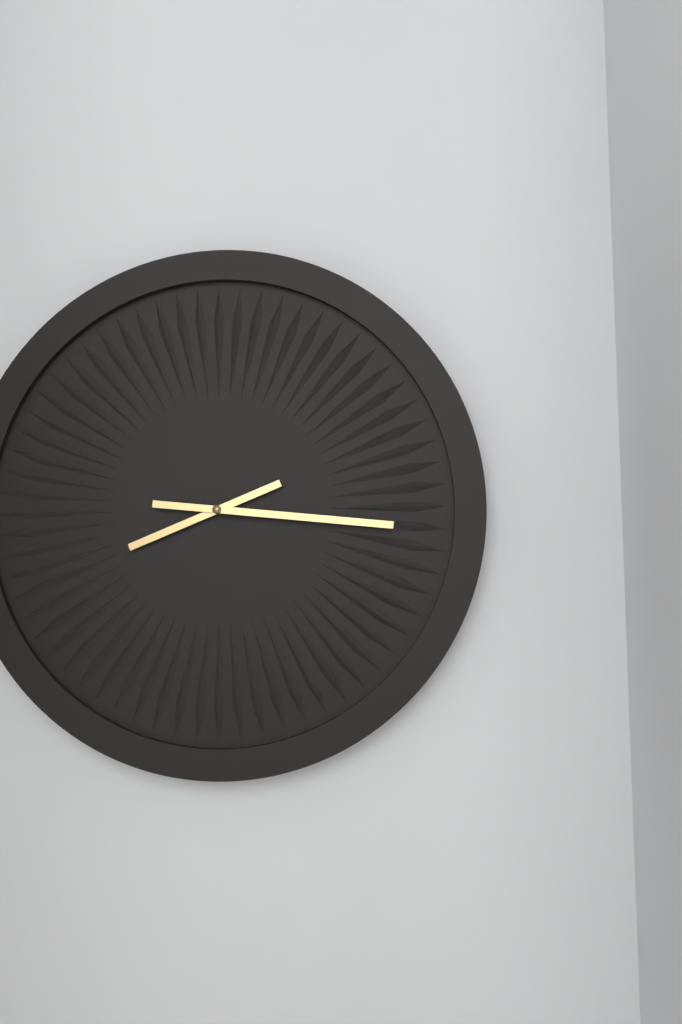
8:16
